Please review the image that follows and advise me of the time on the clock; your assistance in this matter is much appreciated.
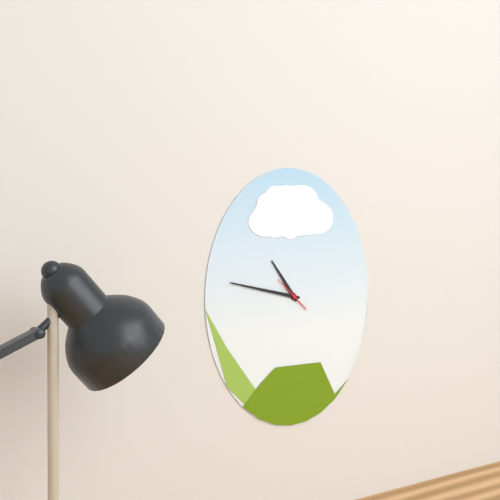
10:47
